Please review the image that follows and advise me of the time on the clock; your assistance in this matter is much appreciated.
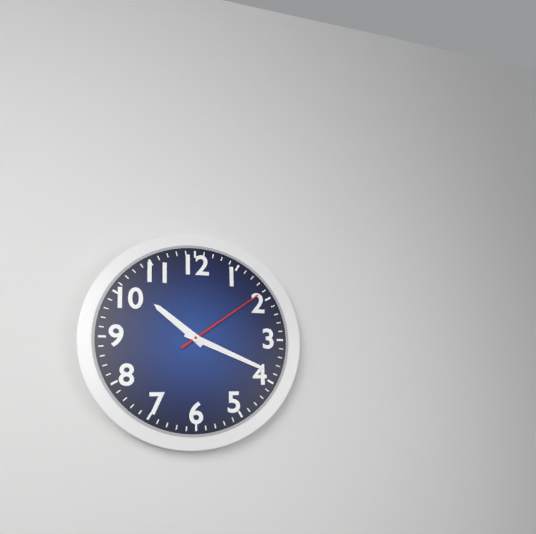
10:19:09
